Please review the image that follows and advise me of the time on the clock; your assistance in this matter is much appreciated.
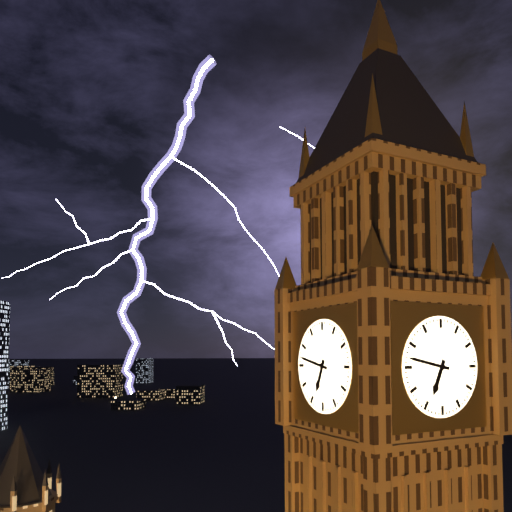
6:47
